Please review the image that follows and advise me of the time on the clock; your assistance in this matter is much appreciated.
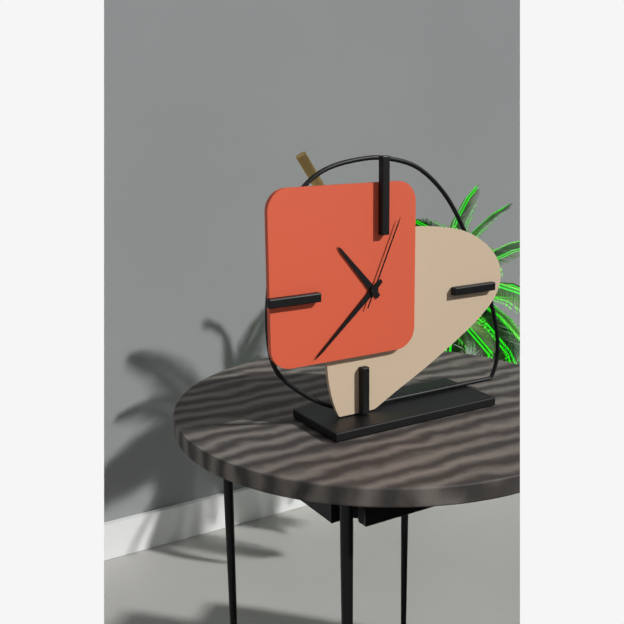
10:38:04
